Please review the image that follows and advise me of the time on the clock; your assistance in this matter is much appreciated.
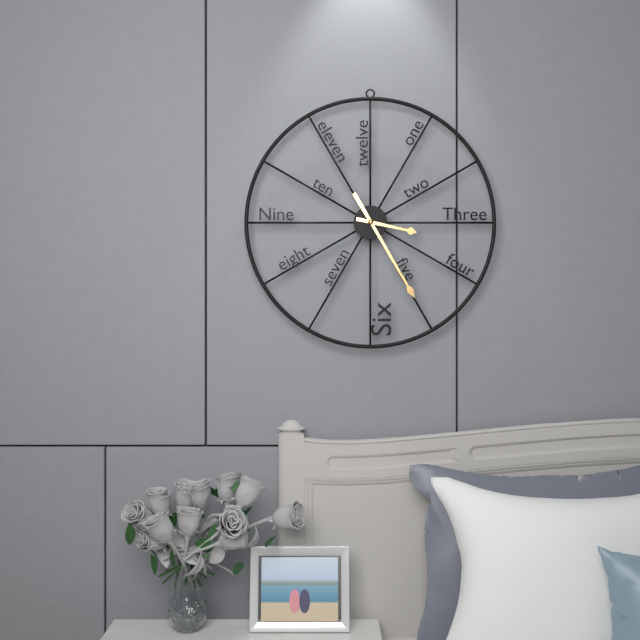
3:25
